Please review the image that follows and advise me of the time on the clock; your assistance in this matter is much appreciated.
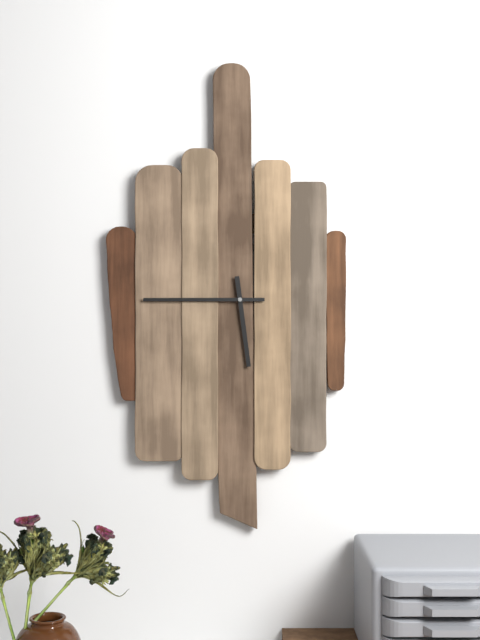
5:45
